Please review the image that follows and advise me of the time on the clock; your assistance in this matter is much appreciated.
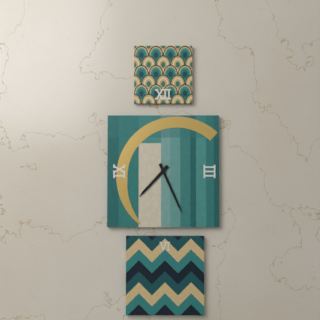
7:26
